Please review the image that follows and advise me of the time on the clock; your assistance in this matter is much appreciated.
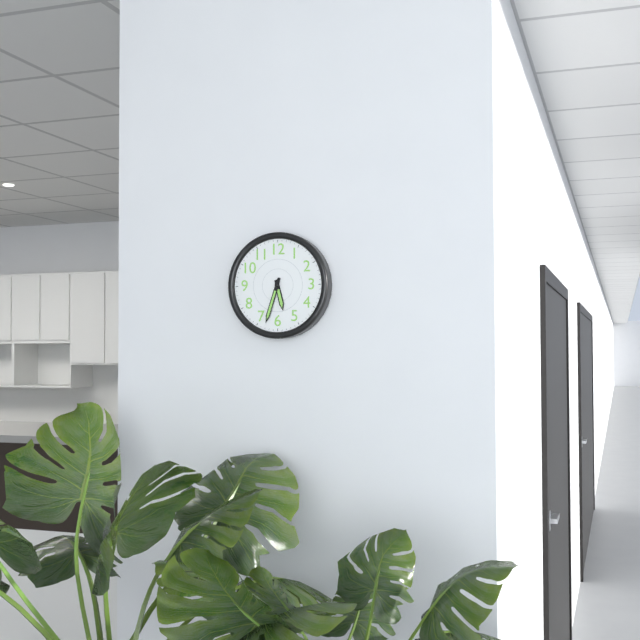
5:33
